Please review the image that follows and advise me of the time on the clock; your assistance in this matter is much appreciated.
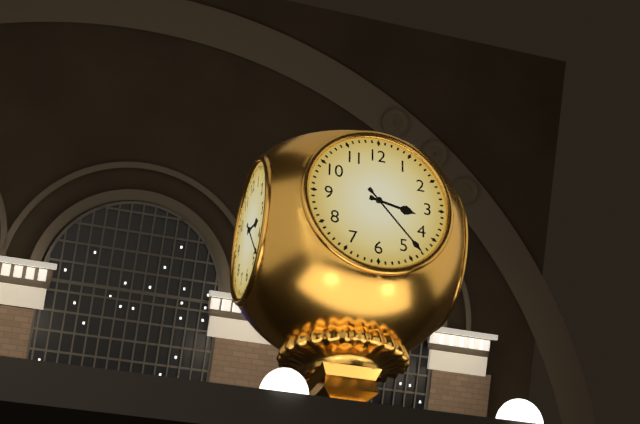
3:23
